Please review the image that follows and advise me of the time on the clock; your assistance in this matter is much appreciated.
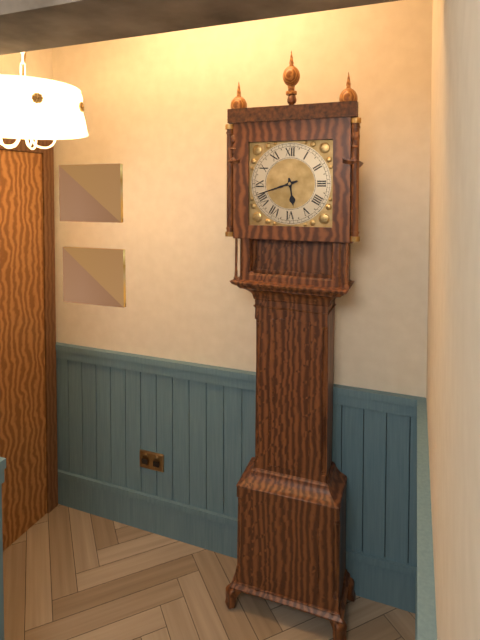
5:42
